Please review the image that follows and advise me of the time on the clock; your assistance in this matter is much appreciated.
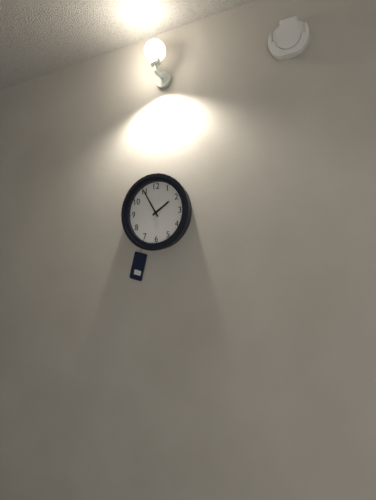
1:55
